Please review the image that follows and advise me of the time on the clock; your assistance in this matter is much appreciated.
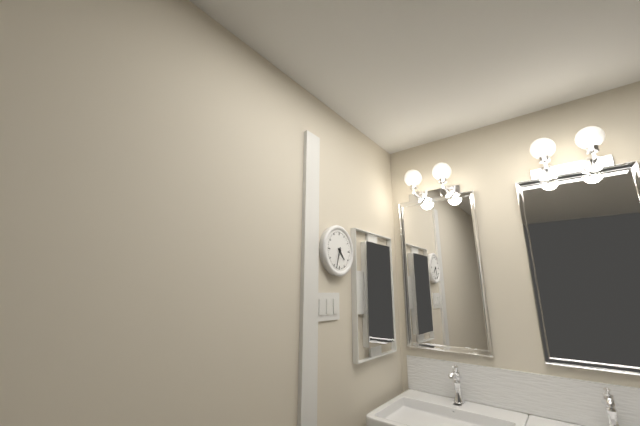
4:33
